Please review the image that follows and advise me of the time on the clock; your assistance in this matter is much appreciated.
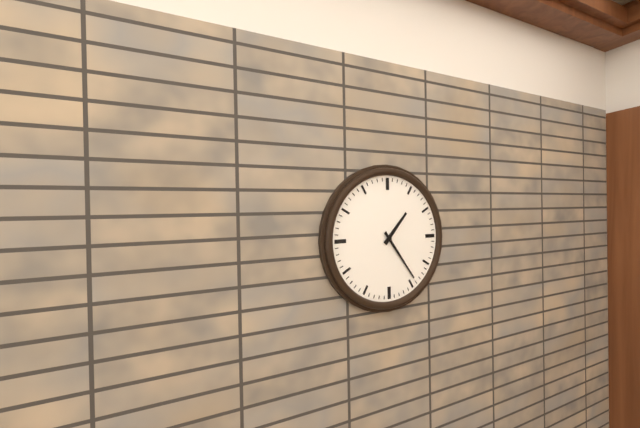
1:24
